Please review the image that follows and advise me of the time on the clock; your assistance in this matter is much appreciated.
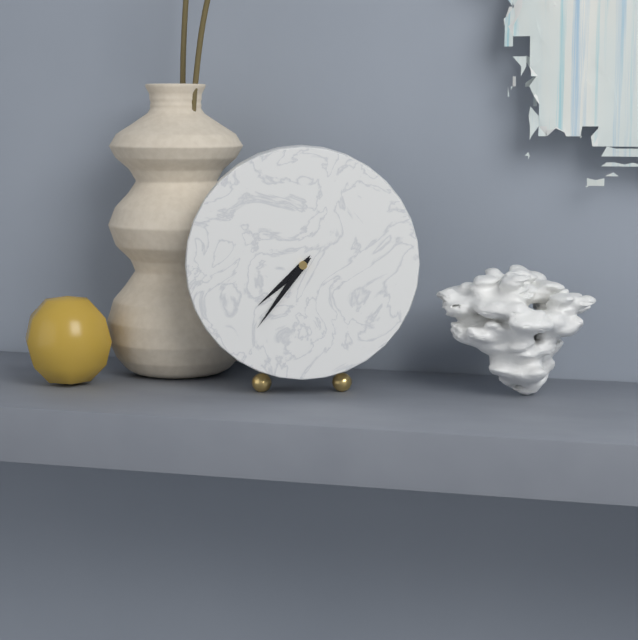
7:36
